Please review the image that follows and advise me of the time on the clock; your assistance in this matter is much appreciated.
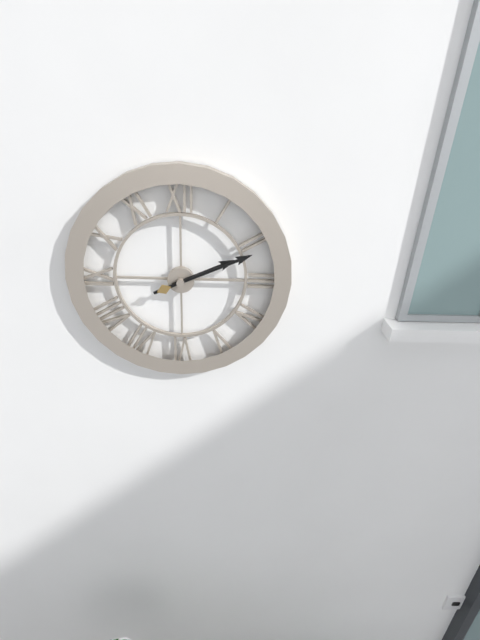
2:11
